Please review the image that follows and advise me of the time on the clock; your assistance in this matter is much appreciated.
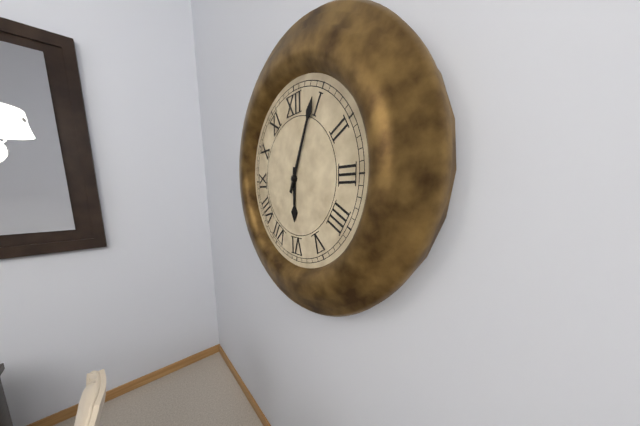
6:04
